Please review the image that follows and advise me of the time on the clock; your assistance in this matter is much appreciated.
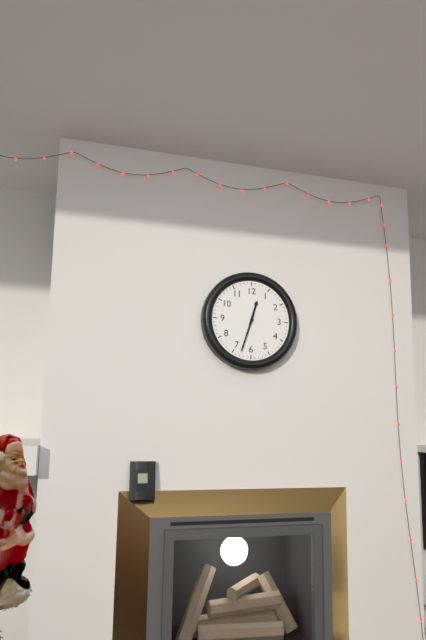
12:33
